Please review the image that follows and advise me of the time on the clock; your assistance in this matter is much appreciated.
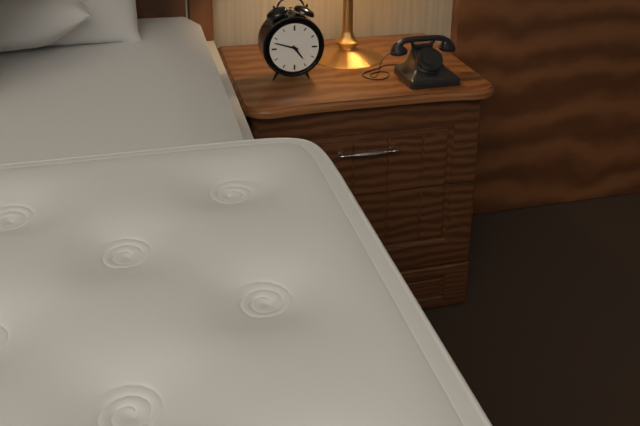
4:48
